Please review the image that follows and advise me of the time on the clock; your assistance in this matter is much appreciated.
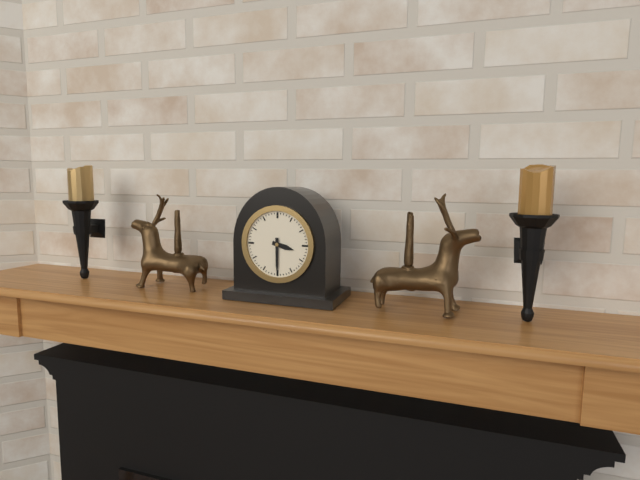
3:30
